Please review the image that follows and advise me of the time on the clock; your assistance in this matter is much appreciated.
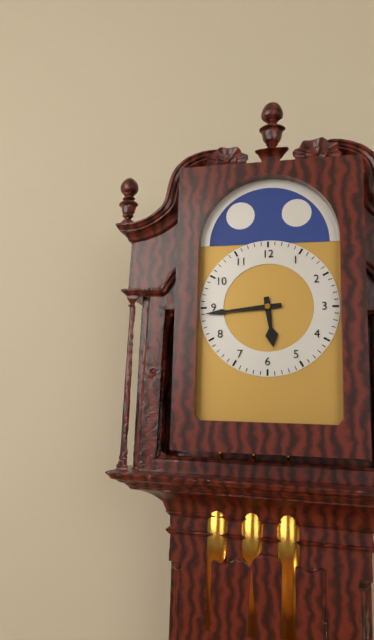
5:44
